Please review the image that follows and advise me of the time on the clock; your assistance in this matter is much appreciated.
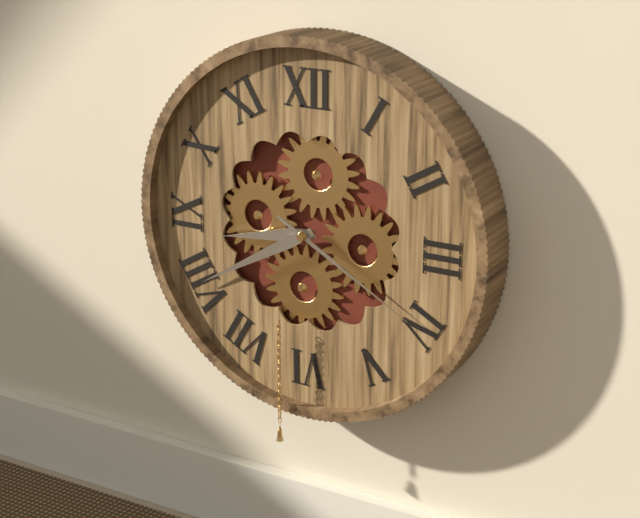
8:40:20
